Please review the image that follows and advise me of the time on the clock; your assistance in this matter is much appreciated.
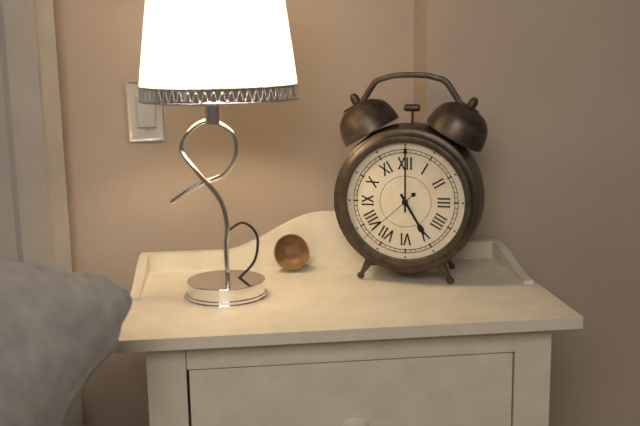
5:00:38
